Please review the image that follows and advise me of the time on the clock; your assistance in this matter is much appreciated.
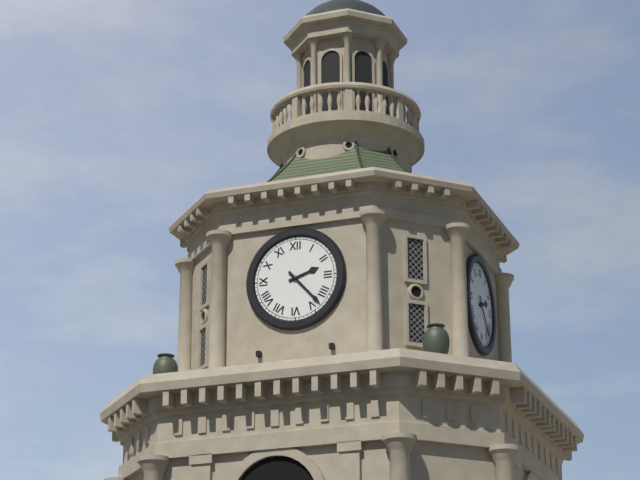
2:23
